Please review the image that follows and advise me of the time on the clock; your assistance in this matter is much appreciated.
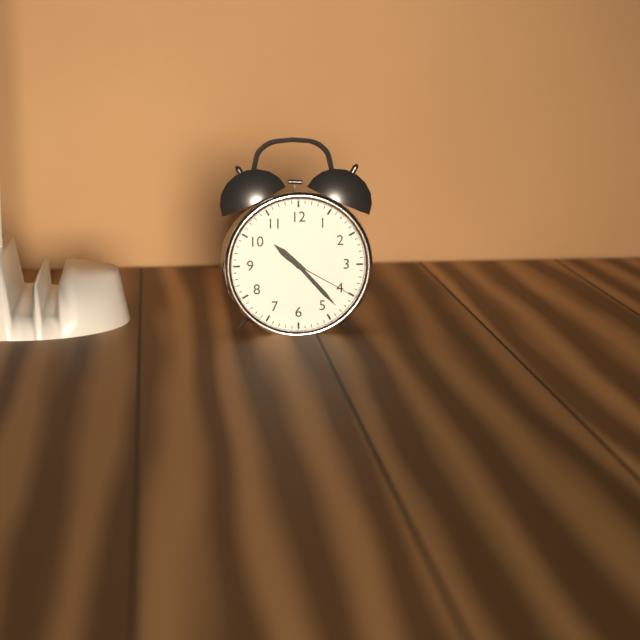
10:23:20
